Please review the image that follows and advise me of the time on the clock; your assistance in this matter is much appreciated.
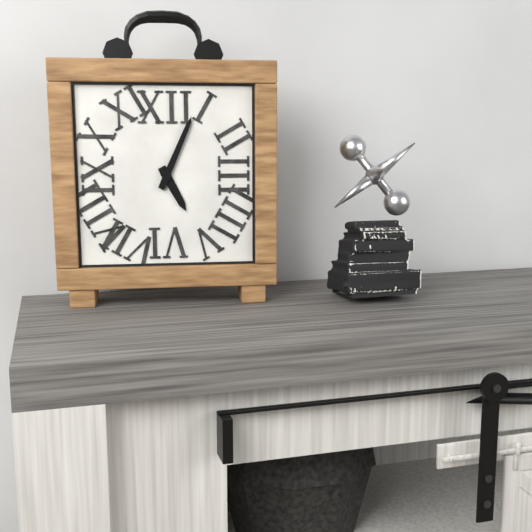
5:04
